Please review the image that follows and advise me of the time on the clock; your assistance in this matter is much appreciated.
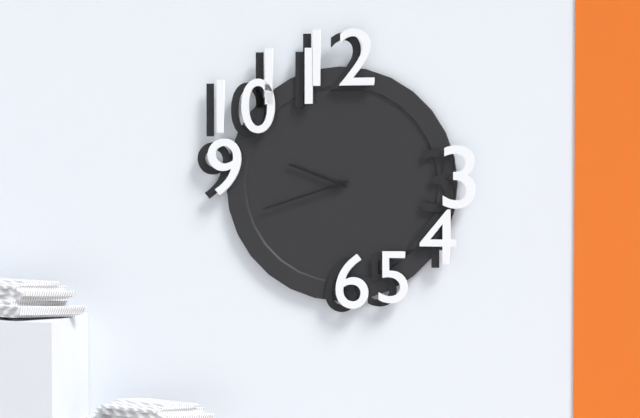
9:42
